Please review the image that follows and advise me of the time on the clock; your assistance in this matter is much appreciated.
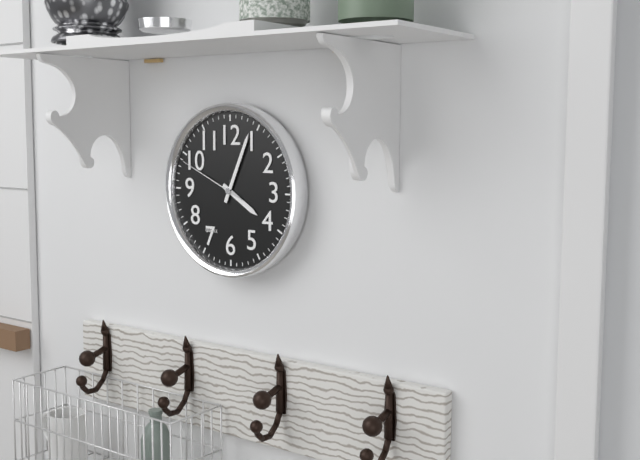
4:04:49
